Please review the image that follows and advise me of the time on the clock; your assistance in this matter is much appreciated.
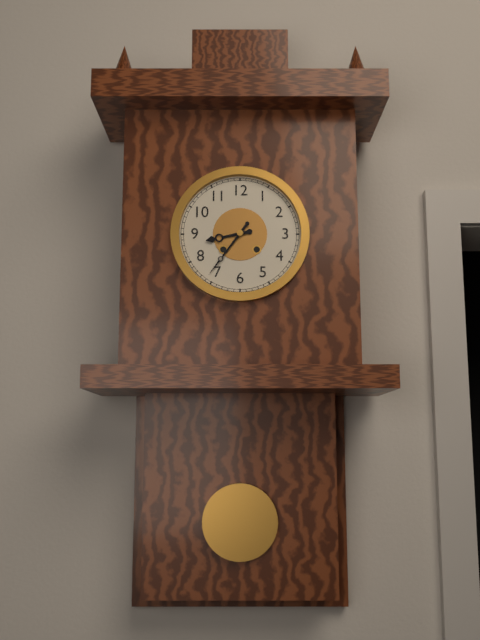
8:36
